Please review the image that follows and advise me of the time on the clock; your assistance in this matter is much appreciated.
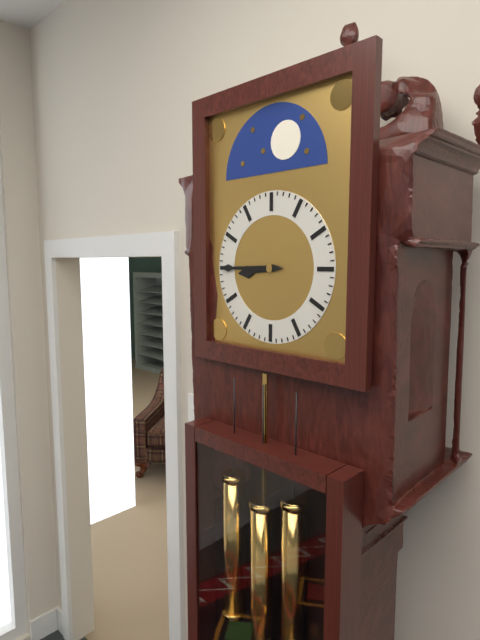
8:45
